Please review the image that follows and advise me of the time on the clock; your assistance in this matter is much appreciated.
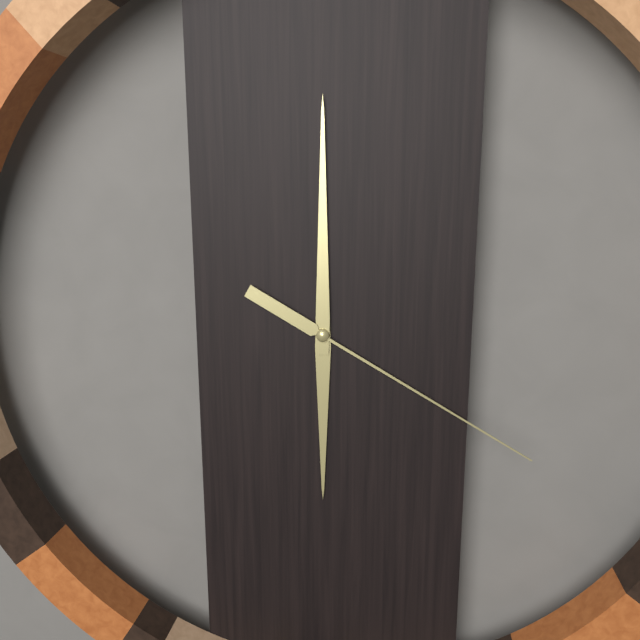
6:00:20
